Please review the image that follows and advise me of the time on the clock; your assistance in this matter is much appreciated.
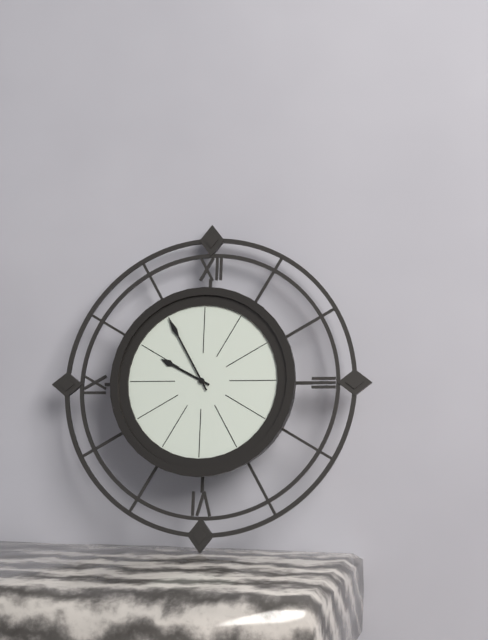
9:55
